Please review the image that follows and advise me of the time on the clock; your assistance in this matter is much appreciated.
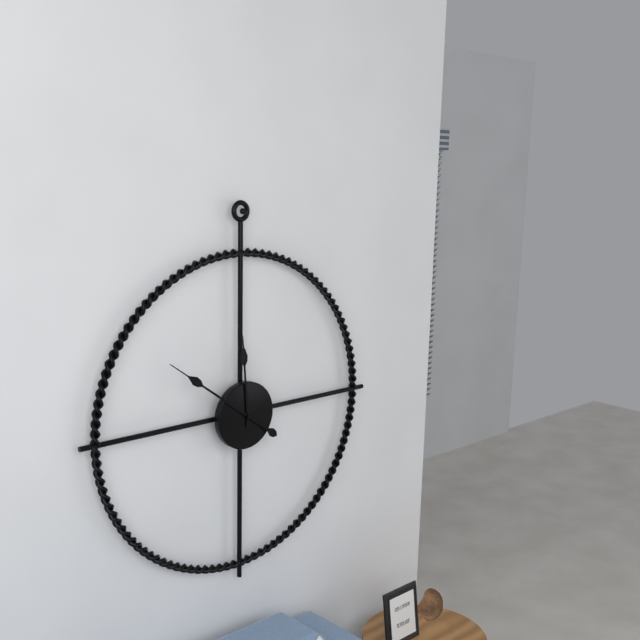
11:51
